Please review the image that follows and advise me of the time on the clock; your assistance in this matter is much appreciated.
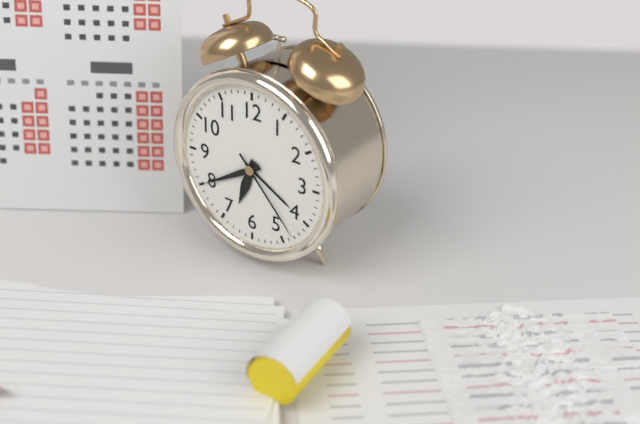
6:40:23
